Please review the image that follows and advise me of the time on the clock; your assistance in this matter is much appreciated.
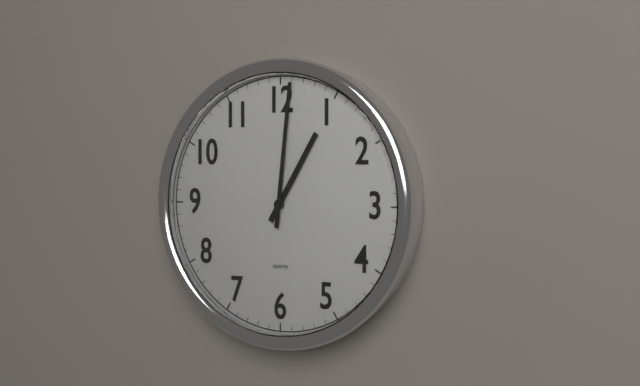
1:01
